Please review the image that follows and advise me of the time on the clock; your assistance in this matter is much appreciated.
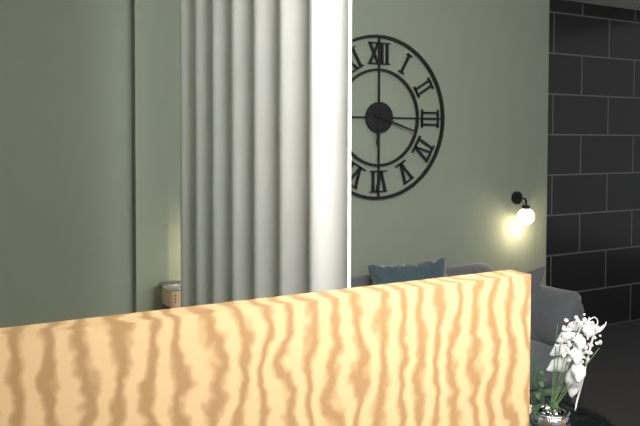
6:18
